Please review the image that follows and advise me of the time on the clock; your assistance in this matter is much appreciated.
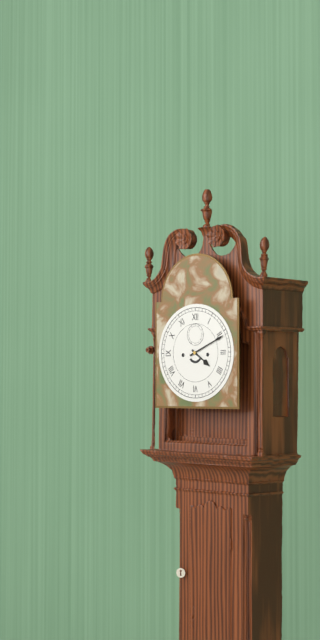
4:11
